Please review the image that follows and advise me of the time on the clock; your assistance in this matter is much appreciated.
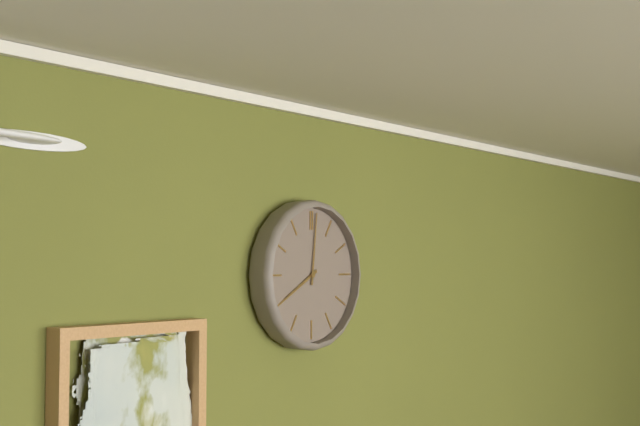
8:01
